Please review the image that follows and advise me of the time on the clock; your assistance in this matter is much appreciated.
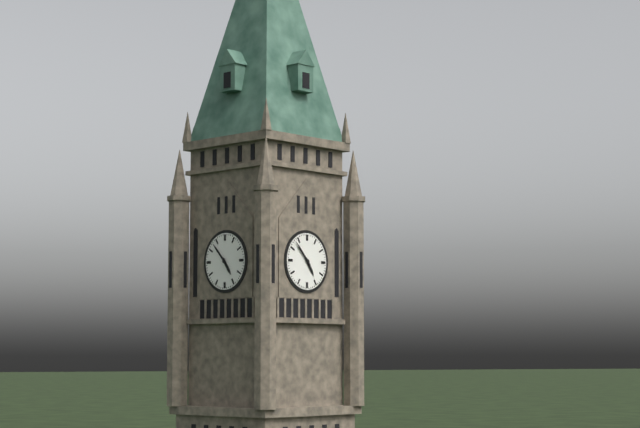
4:53
